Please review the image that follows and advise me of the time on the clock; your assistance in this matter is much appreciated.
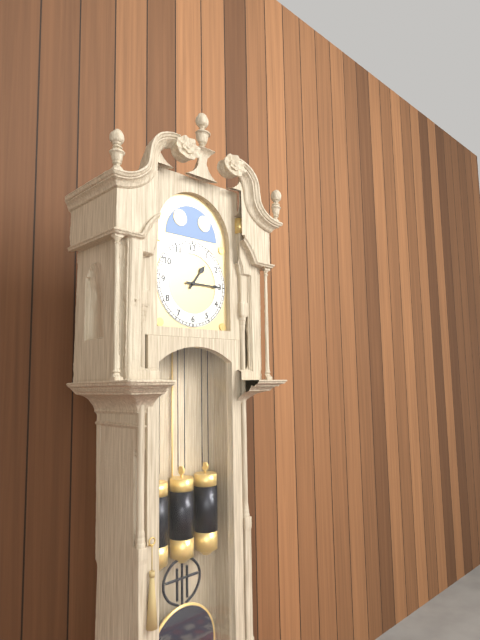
1:15
